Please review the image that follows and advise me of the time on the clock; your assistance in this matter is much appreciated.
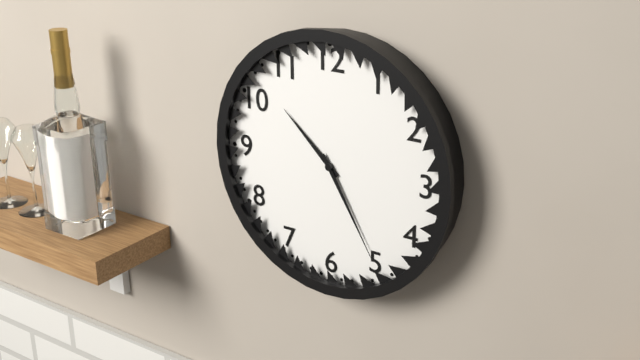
10:25
